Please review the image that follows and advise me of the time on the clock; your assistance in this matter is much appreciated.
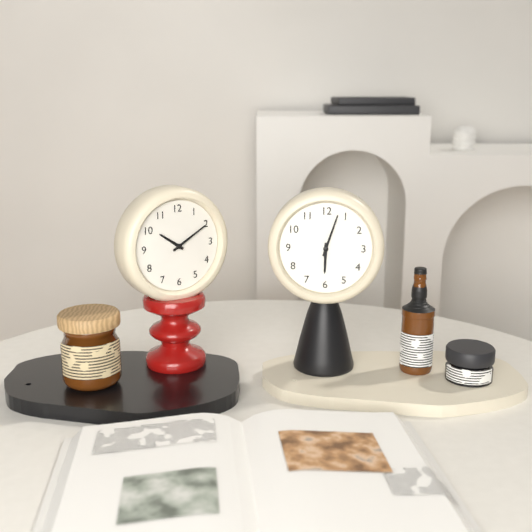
6:03
